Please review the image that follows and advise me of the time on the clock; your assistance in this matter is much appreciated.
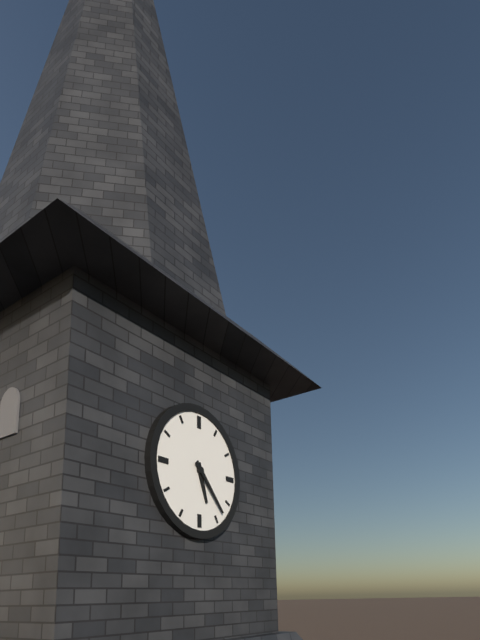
5:23
